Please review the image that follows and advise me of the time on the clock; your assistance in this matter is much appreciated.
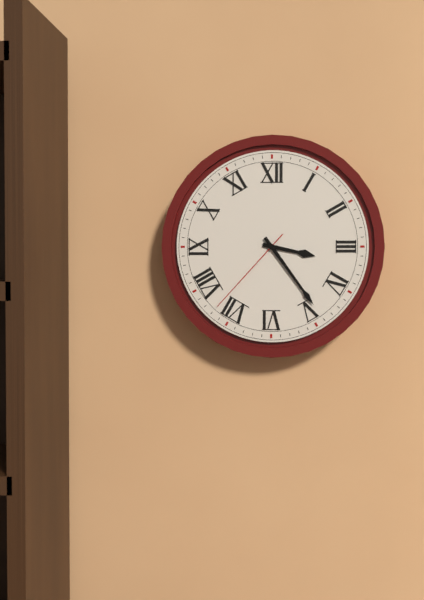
3:24:37
